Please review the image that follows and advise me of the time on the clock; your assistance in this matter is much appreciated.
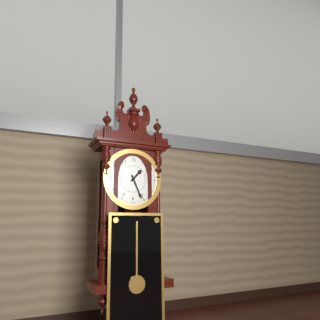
1:26
